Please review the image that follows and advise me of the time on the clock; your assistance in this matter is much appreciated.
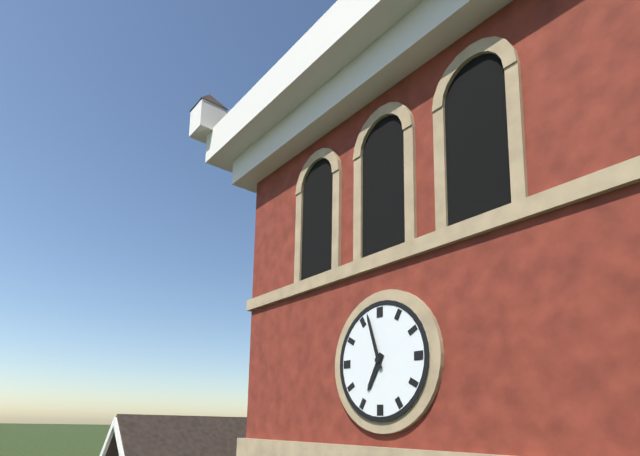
6:57
